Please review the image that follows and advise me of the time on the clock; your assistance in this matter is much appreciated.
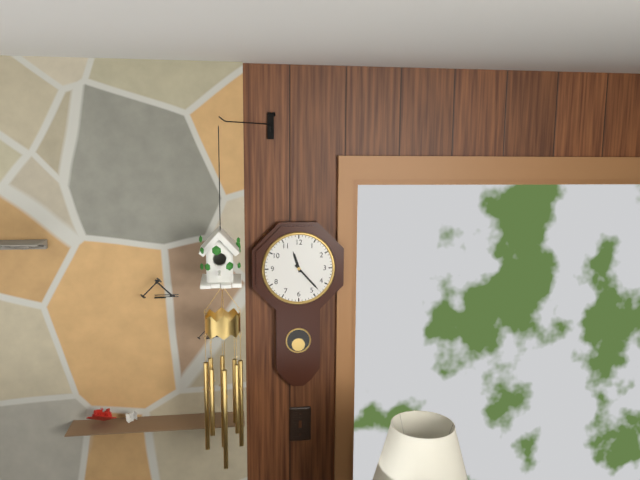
11:23
